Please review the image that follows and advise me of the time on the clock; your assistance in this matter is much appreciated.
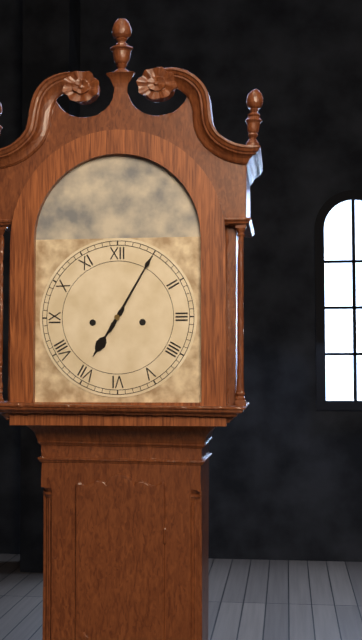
7:05
